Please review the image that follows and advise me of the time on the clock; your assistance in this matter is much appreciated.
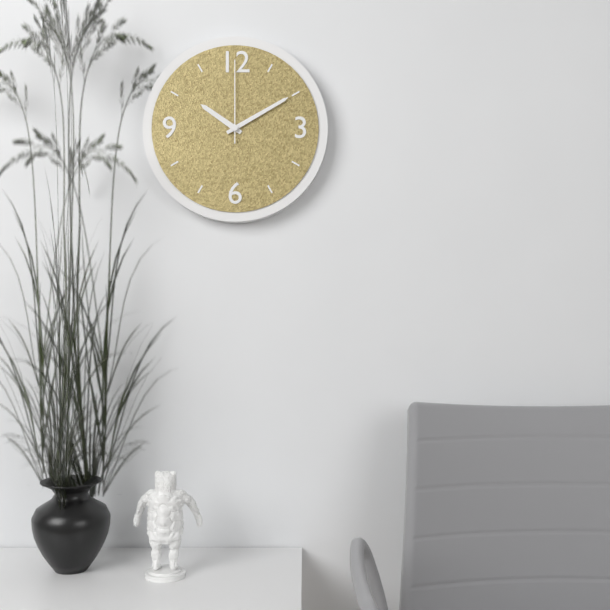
10:10:00
